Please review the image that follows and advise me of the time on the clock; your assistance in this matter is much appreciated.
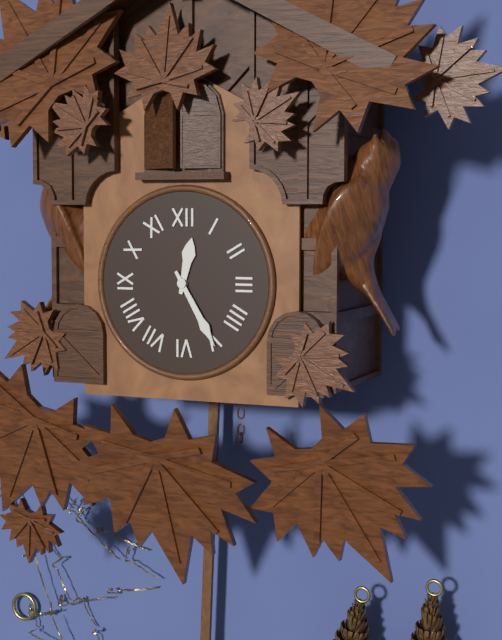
12:25
